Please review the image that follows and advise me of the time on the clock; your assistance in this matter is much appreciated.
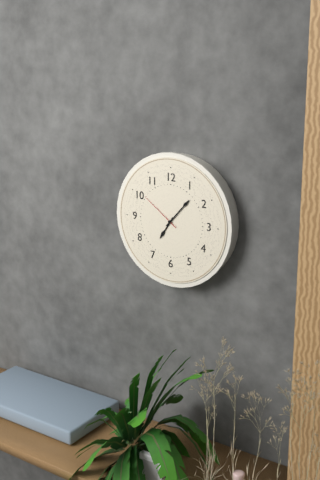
7:07
